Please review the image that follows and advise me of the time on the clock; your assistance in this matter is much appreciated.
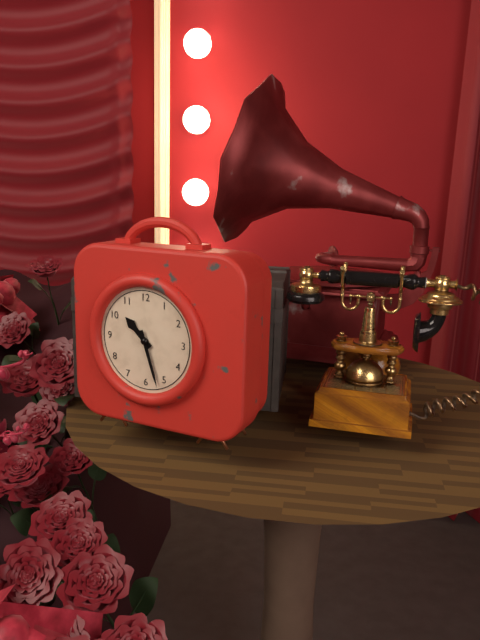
10:27
